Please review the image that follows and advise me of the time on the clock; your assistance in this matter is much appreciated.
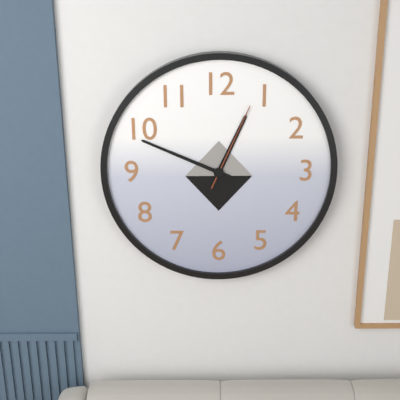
12:49:04
